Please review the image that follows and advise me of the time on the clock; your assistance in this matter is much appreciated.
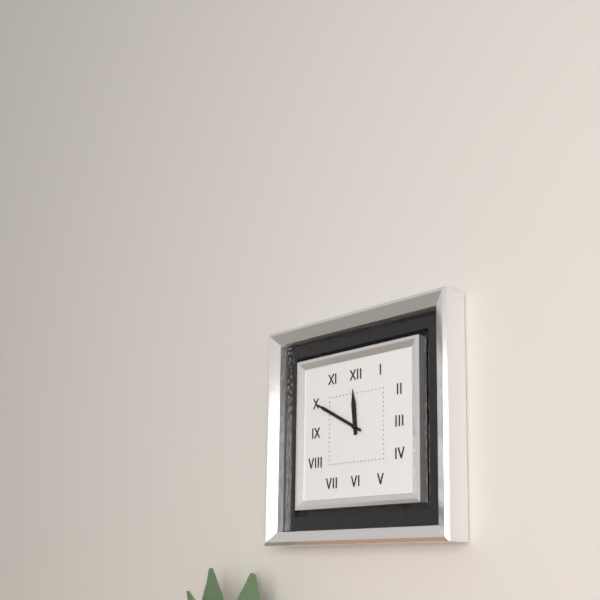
11:50
